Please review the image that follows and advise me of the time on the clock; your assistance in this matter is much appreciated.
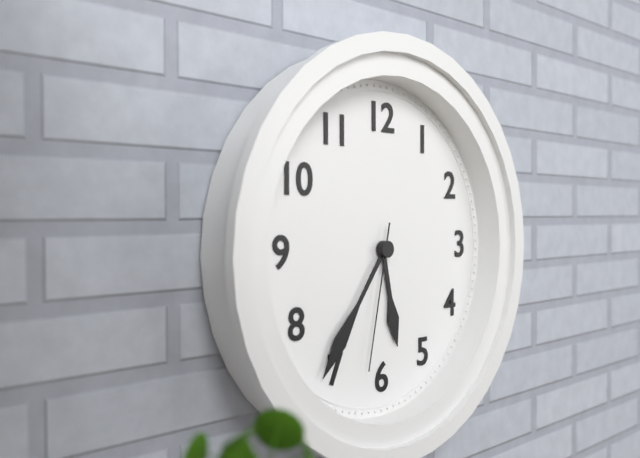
5:36:32
